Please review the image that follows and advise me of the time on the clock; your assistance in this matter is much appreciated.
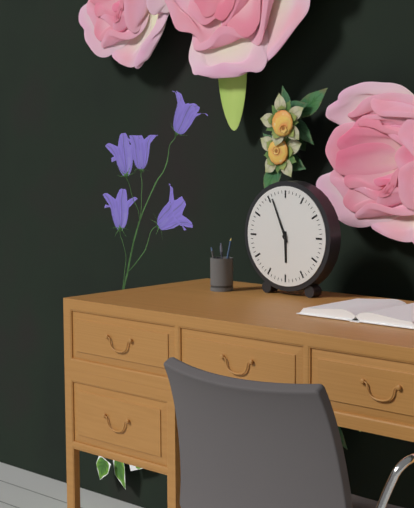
5:56
